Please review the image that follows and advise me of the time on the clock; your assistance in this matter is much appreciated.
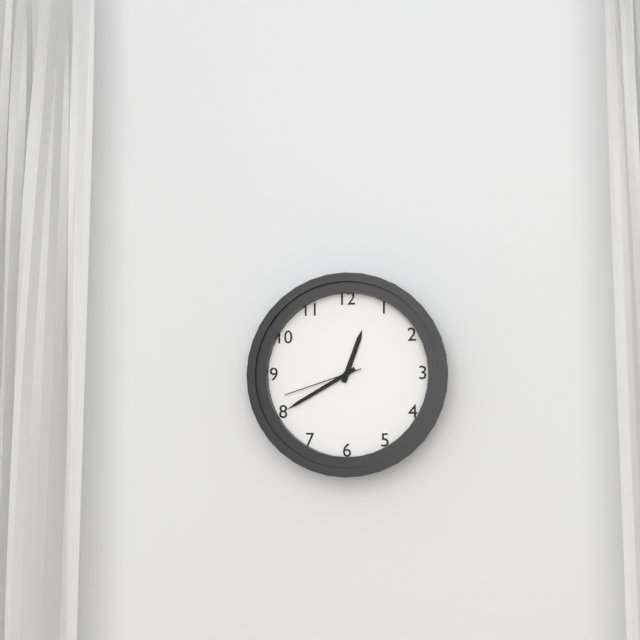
12:40:42
